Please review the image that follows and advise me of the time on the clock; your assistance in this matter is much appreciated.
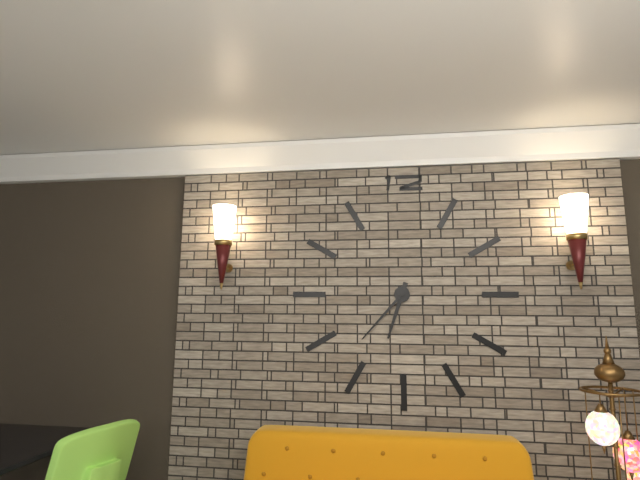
6:37
